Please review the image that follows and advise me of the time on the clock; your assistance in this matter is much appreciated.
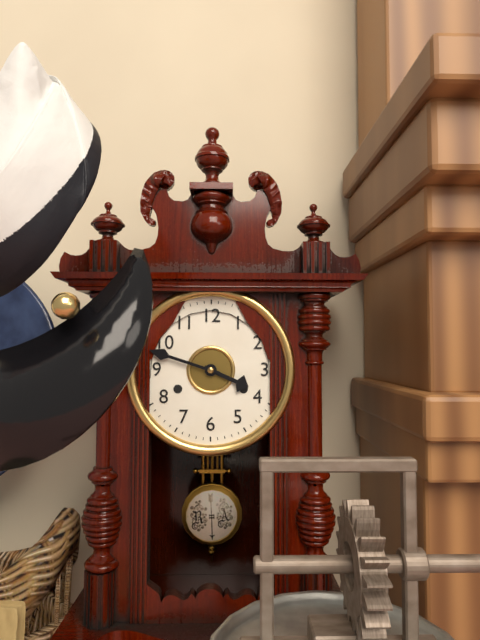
3:48
